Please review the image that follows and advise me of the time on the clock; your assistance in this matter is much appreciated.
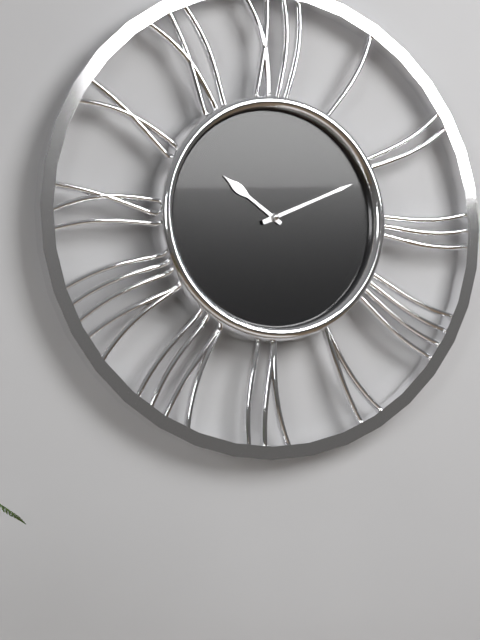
10:11
